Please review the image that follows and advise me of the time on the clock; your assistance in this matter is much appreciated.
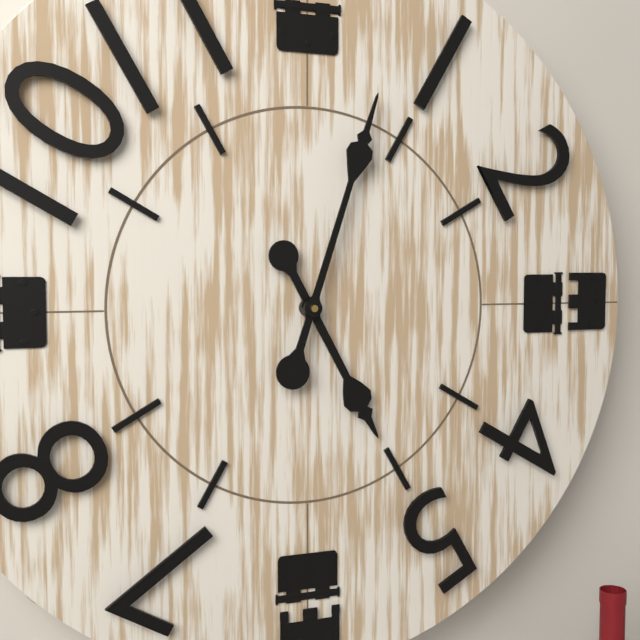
5:03
